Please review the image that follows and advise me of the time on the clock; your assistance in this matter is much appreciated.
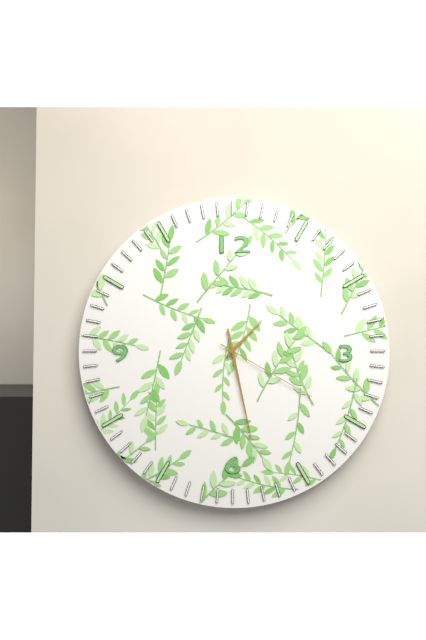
1:28:20
